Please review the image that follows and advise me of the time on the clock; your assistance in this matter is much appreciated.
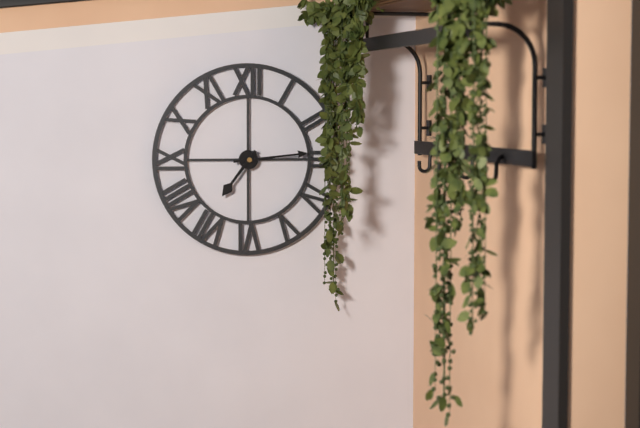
7:14
